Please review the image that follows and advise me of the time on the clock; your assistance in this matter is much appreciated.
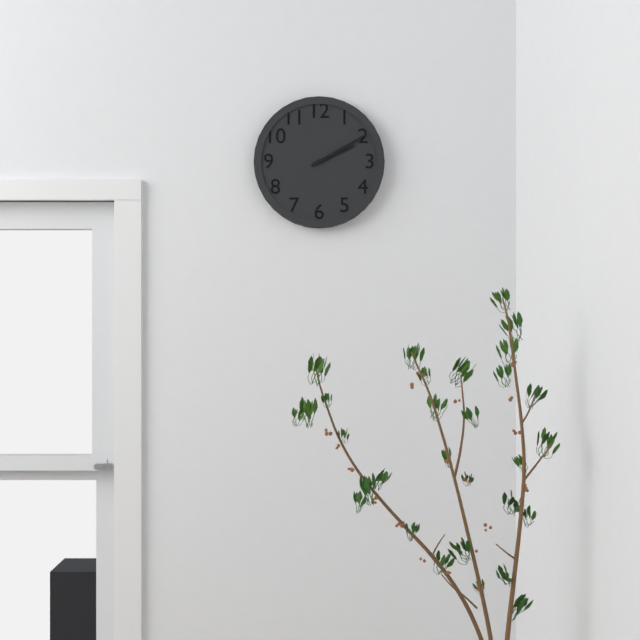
2:10
